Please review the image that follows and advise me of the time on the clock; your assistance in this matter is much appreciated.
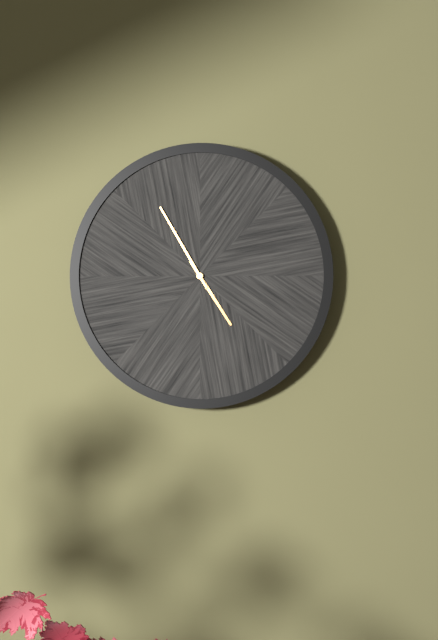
4:55
